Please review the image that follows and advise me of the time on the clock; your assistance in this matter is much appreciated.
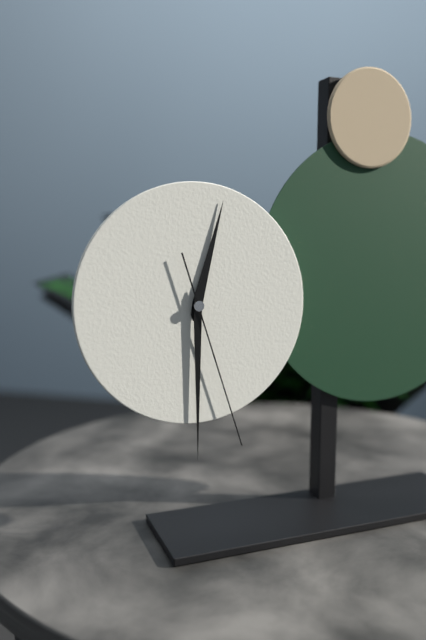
12:30:27
